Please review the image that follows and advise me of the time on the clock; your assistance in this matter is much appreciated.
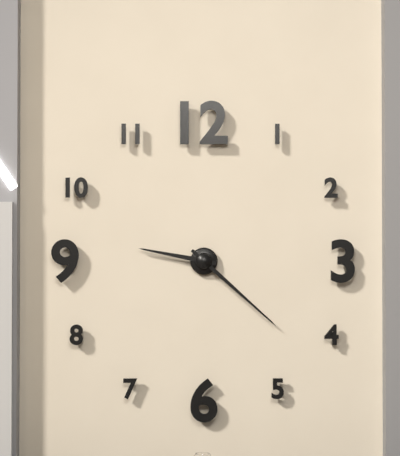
9:22
